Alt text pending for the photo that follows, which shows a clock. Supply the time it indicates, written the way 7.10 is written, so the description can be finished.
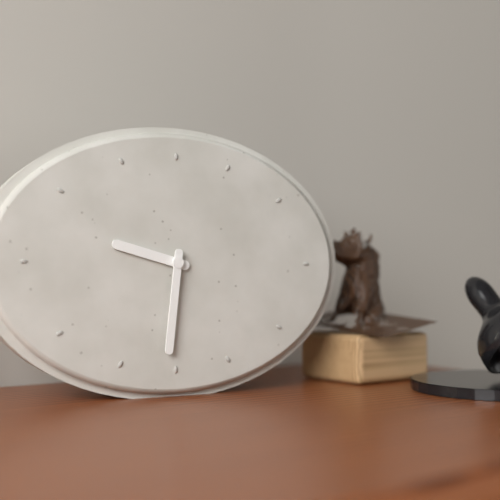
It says 9.31
